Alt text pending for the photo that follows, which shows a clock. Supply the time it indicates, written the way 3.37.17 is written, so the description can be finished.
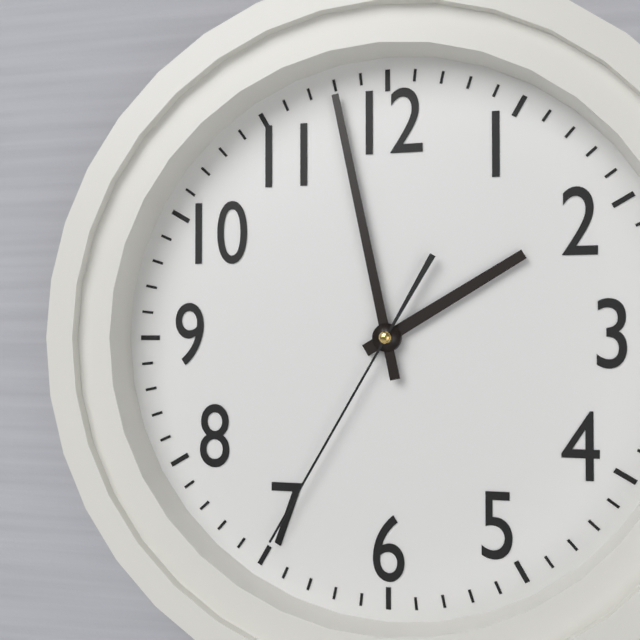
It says 1.58.35
